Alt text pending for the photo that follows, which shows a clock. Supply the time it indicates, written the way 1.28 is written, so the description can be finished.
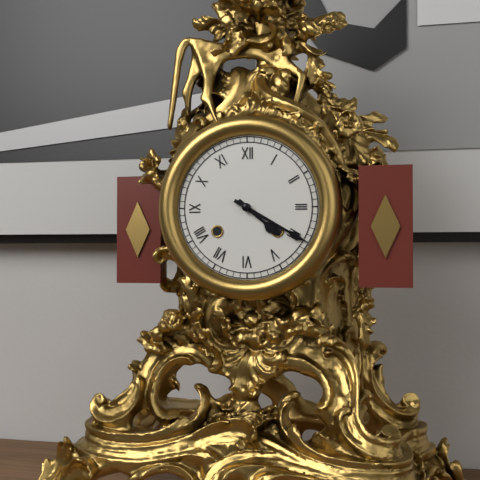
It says 4.20
